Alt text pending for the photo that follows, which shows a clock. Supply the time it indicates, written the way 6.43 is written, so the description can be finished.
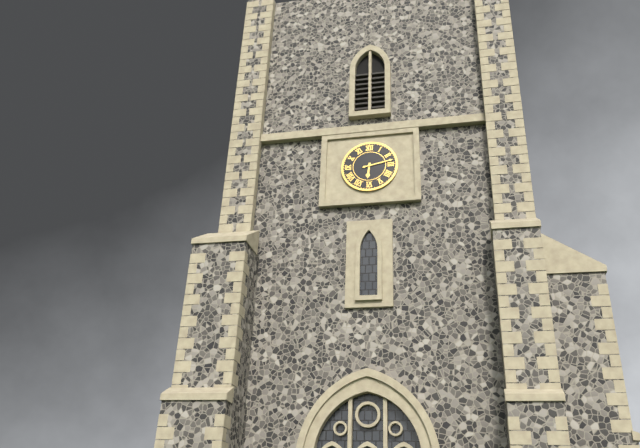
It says 6.13
